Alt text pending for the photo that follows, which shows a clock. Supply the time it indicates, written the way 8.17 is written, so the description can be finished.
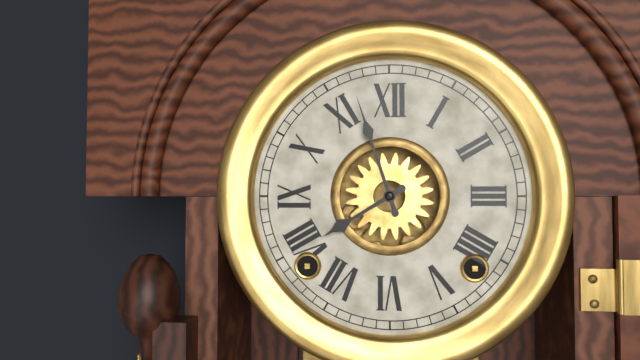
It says 7.57
